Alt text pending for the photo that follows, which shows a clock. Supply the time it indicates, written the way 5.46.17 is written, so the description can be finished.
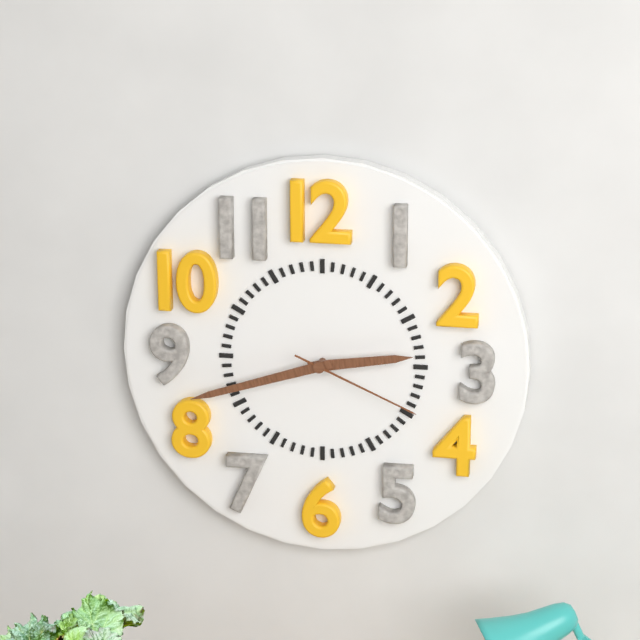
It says 2.42.19
